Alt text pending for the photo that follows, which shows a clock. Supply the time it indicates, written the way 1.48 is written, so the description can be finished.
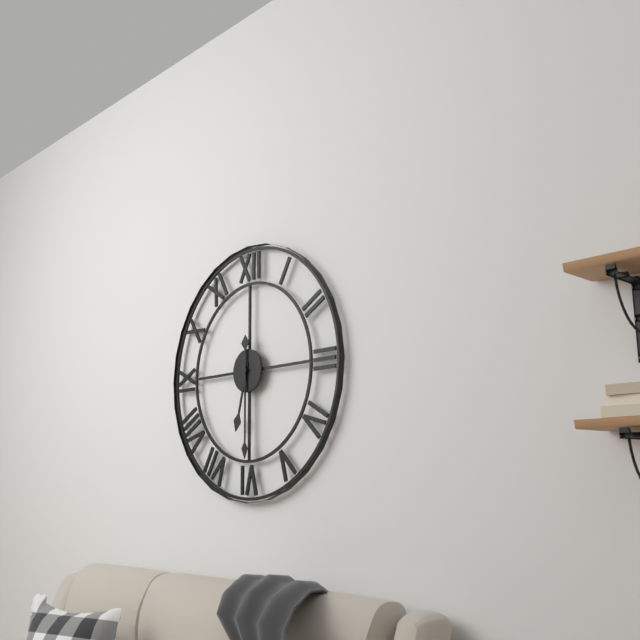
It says 6.30
